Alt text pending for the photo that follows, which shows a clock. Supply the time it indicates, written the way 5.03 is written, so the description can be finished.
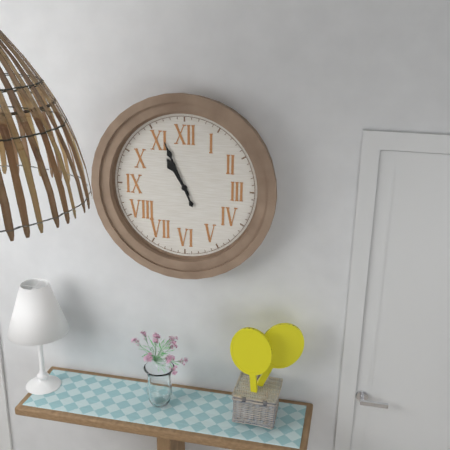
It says 10.56
